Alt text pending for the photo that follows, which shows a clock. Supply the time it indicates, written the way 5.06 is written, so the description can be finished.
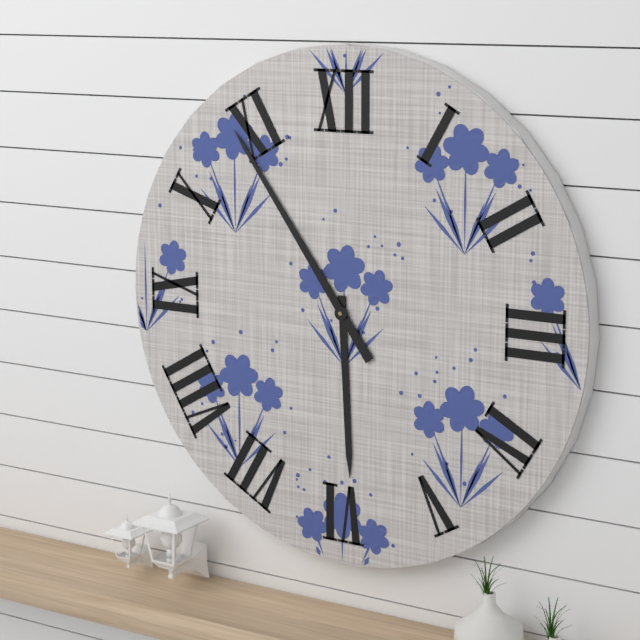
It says 5.54
